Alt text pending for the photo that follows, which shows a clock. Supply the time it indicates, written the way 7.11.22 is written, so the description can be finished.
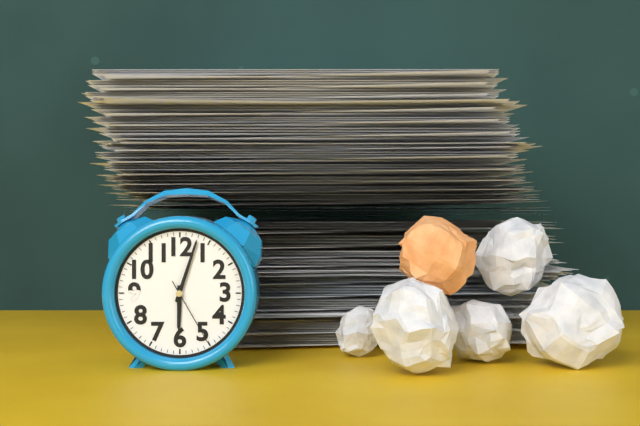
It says 6.03.25
